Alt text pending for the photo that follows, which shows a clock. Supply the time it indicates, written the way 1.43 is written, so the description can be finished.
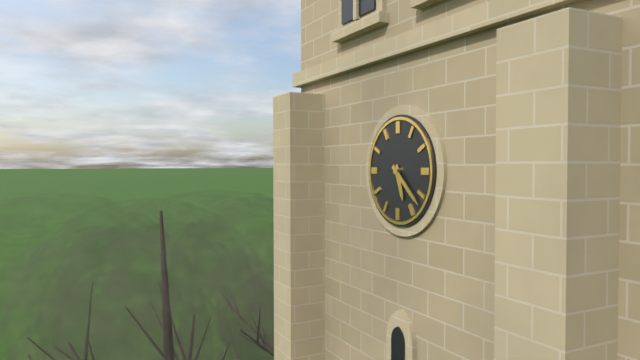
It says 5.22
